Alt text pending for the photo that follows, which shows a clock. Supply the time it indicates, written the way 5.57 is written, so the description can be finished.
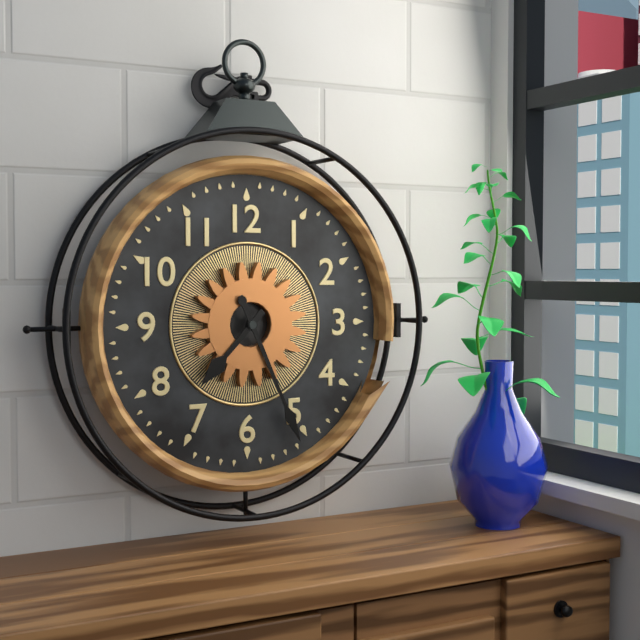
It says 7.26
